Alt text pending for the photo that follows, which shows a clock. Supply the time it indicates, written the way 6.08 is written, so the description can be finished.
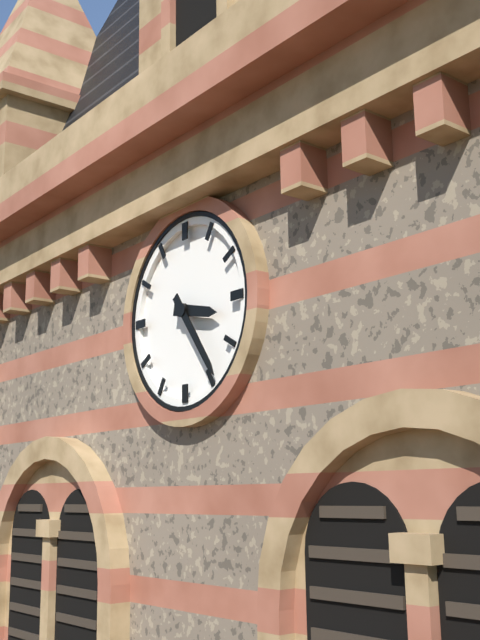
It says 3.24
